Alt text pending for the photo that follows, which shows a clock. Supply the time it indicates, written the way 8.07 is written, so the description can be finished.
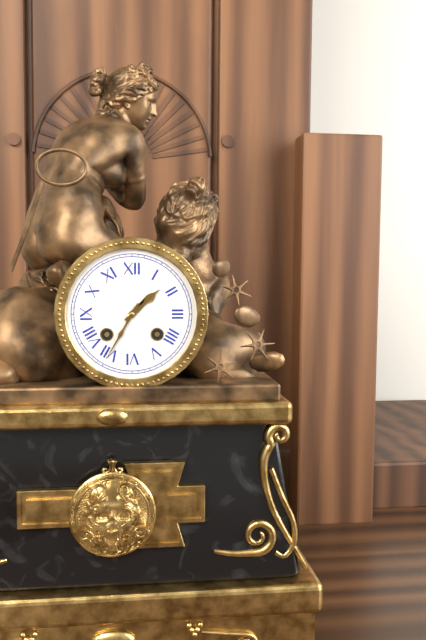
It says 1.35
